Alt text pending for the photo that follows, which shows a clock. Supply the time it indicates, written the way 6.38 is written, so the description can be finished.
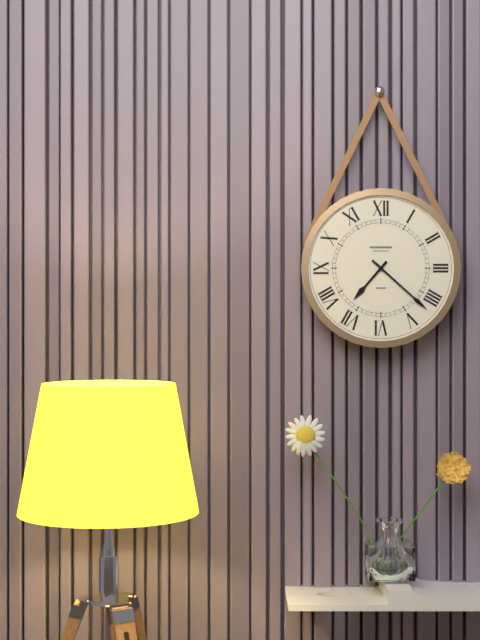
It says 7.22
